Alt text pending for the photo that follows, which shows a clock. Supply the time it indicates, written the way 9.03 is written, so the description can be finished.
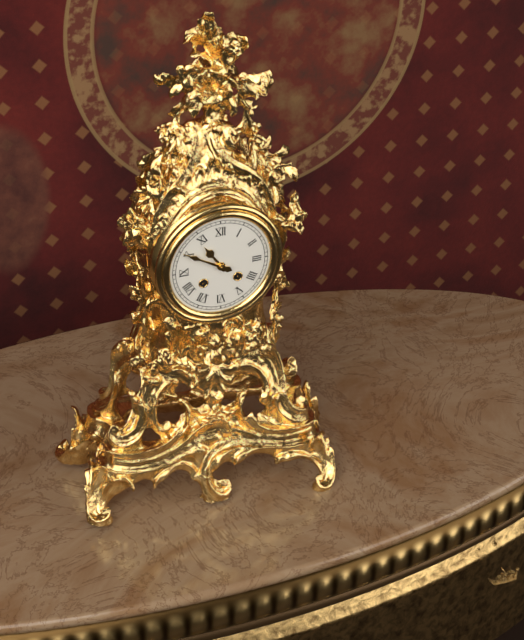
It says 10.50
